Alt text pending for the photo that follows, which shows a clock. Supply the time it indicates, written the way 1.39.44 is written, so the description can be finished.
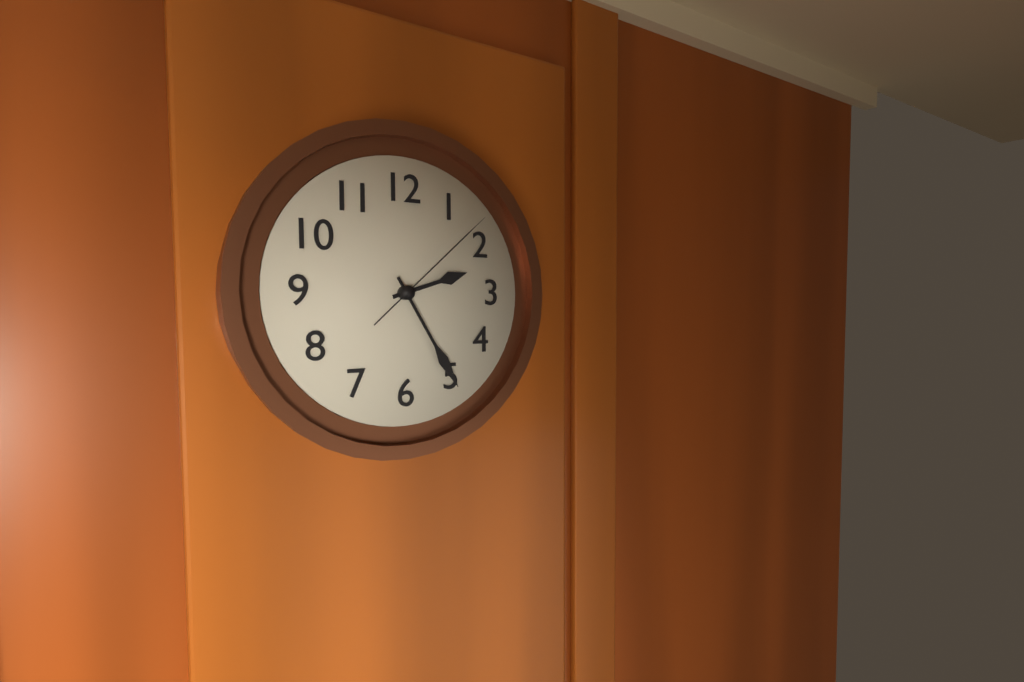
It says 2.25.08
